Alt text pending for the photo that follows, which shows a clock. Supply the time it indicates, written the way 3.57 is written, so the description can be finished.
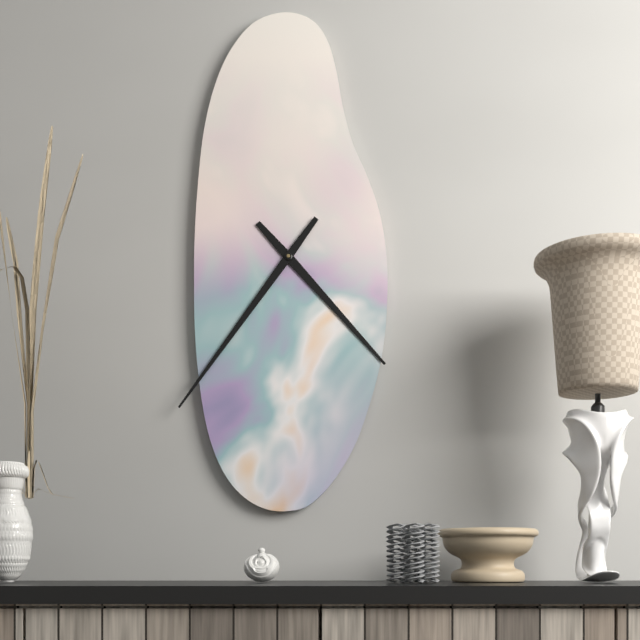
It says 4.36
